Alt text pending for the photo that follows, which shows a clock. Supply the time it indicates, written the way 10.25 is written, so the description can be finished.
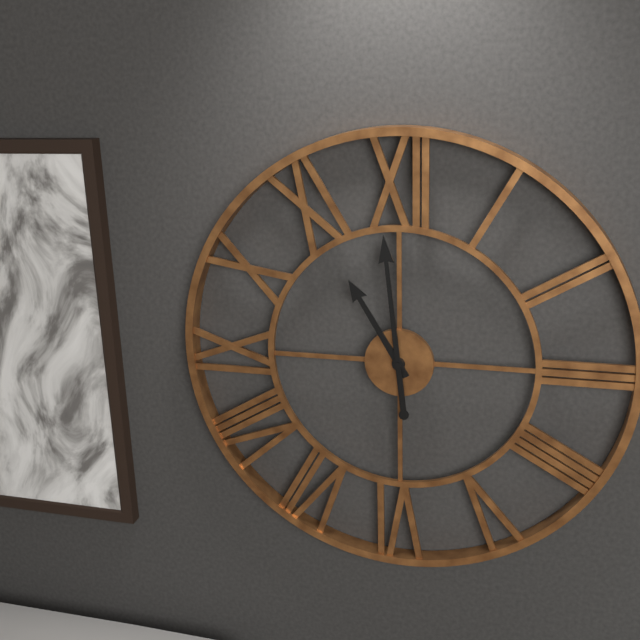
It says 10.59
